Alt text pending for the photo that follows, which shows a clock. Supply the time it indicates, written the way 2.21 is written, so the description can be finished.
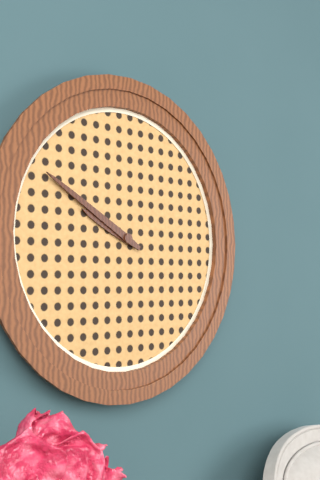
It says 9.50
